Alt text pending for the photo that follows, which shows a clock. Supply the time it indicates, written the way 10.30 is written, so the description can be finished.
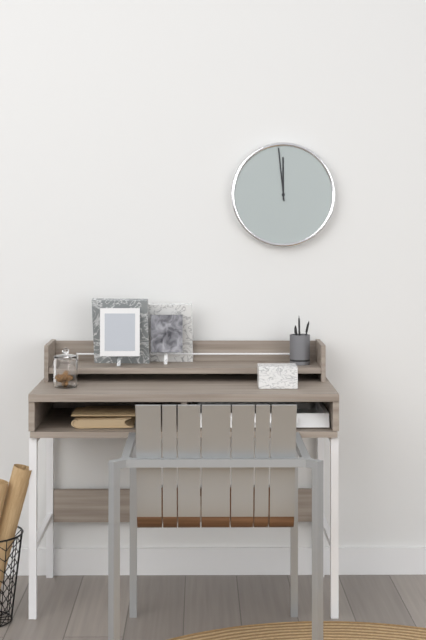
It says 11.59
